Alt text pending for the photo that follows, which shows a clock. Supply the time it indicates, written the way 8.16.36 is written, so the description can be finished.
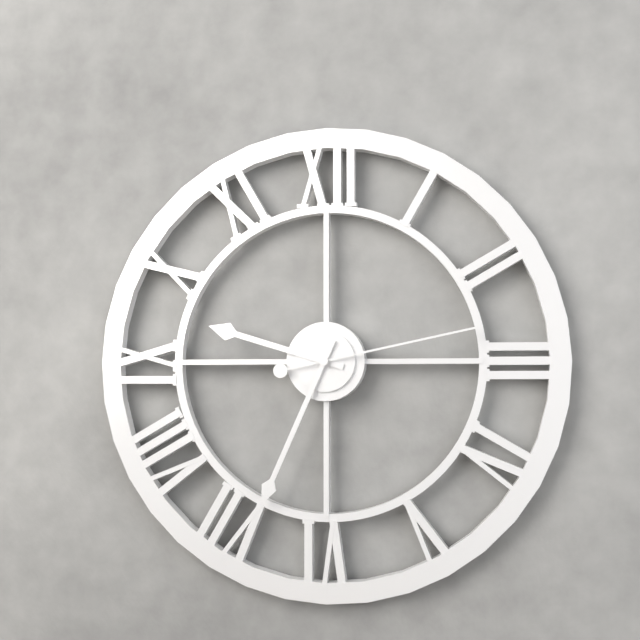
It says 9.34.13
